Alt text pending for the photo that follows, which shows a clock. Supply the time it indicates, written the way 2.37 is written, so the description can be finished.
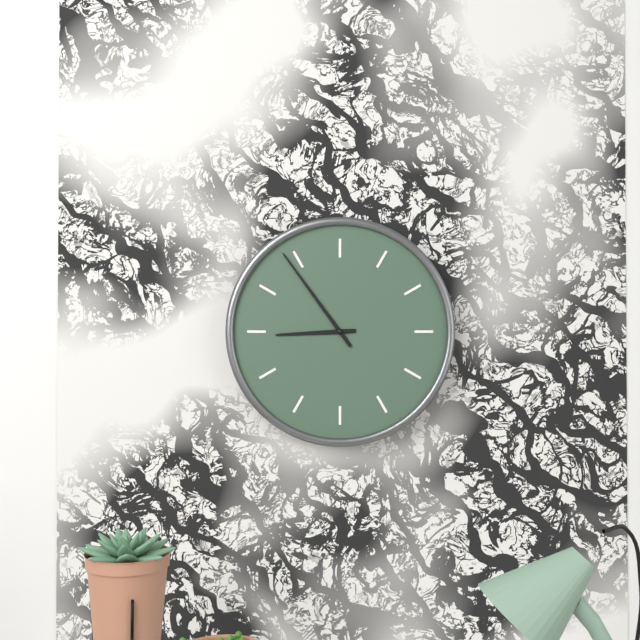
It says 8.54
